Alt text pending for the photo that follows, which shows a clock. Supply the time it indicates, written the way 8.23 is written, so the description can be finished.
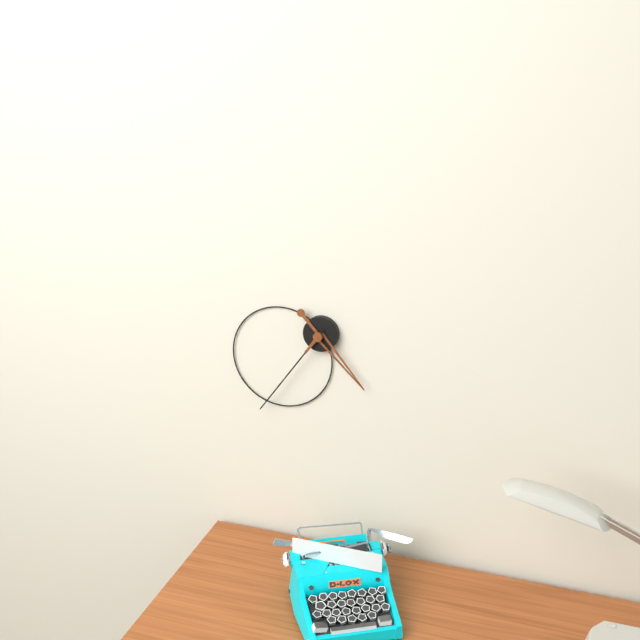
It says 4.36
